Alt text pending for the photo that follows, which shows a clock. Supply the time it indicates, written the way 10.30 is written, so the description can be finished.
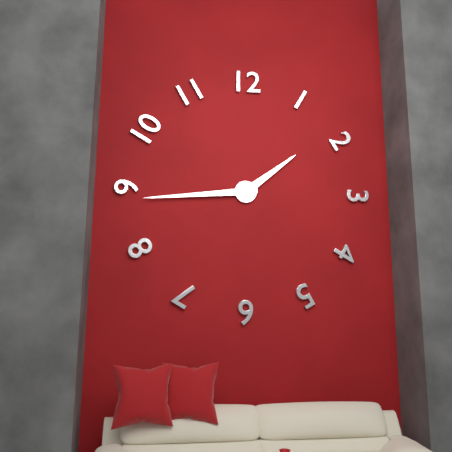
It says 1.44
